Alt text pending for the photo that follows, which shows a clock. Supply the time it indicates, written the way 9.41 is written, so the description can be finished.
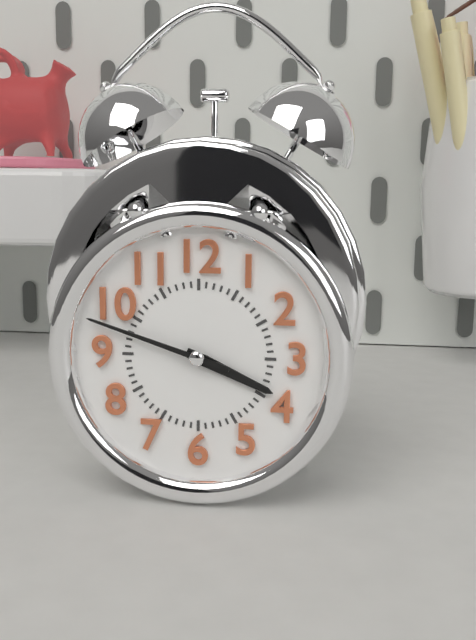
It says 3.48
